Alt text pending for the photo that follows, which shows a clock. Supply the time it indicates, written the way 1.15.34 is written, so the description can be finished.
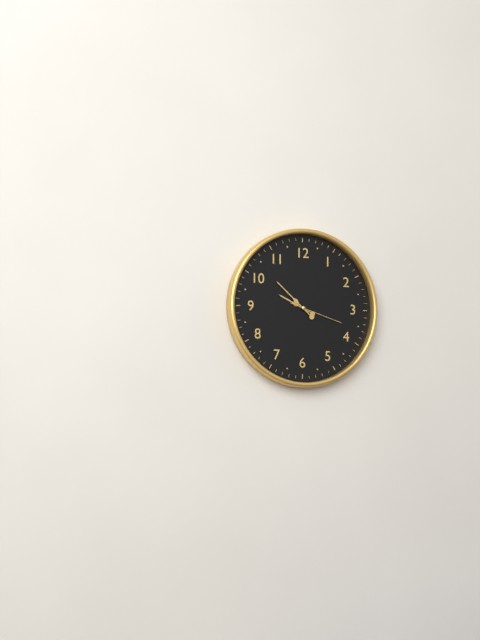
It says 9.52.18
